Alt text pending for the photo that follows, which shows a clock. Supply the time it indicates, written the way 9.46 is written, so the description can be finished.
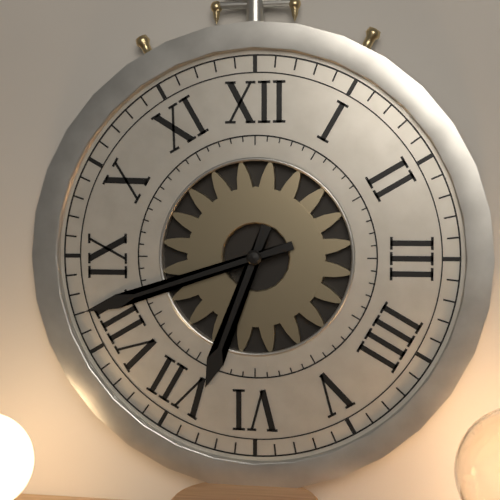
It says 6.42
